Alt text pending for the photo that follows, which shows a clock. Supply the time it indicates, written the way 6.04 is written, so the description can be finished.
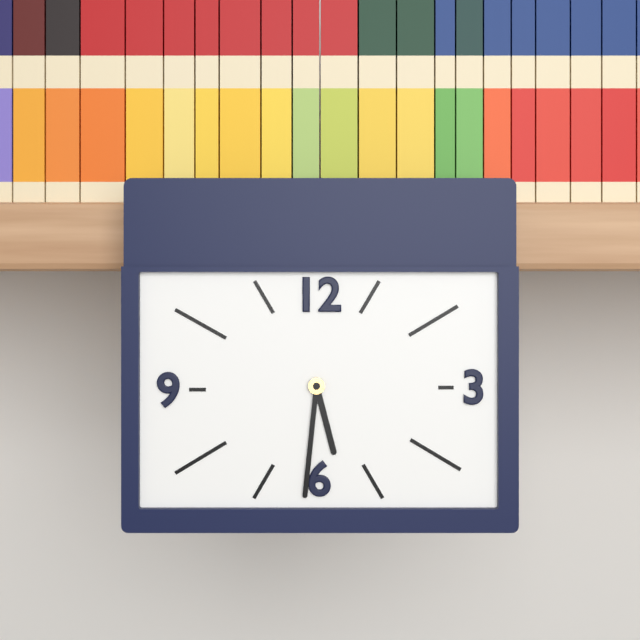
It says 5.31
